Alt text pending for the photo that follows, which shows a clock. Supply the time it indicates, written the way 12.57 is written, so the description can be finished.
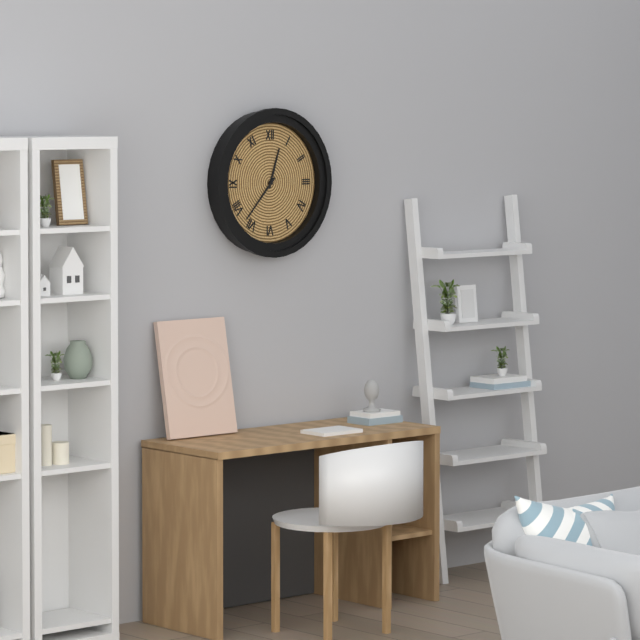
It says 12.37
